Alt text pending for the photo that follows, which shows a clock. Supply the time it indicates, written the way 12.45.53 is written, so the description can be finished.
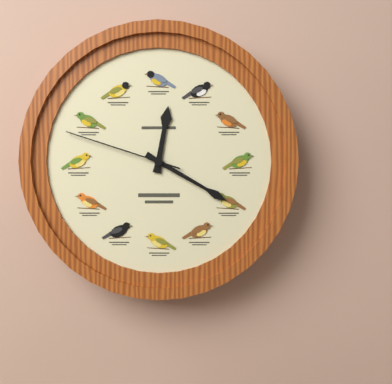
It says 12.20.48
